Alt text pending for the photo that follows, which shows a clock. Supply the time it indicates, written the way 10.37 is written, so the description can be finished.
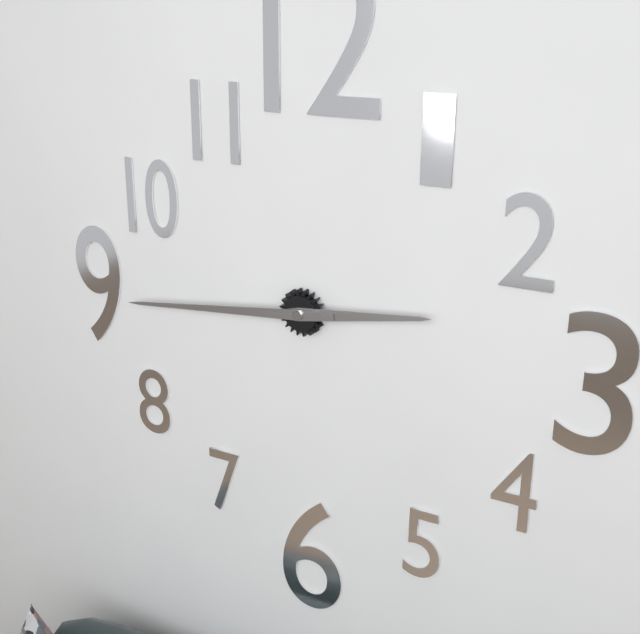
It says 2.44
